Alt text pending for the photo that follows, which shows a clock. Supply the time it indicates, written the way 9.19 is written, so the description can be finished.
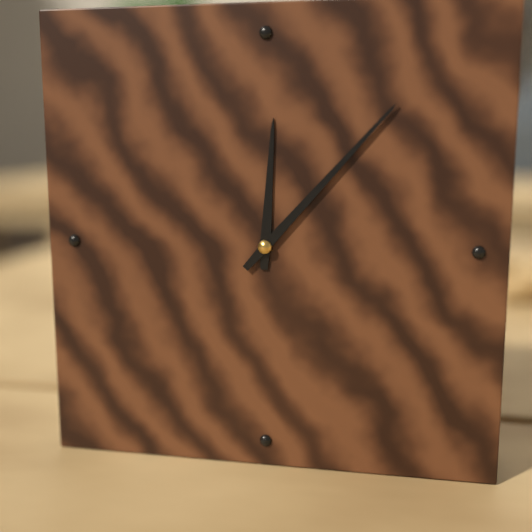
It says 12.07
